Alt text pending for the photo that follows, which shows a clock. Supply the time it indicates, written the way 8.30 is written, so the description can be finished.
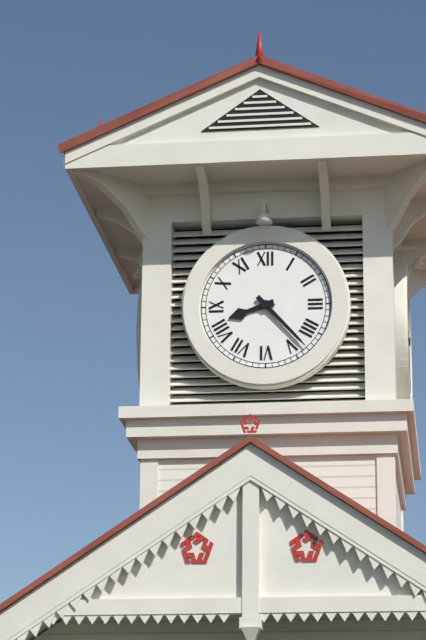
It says 8.23
